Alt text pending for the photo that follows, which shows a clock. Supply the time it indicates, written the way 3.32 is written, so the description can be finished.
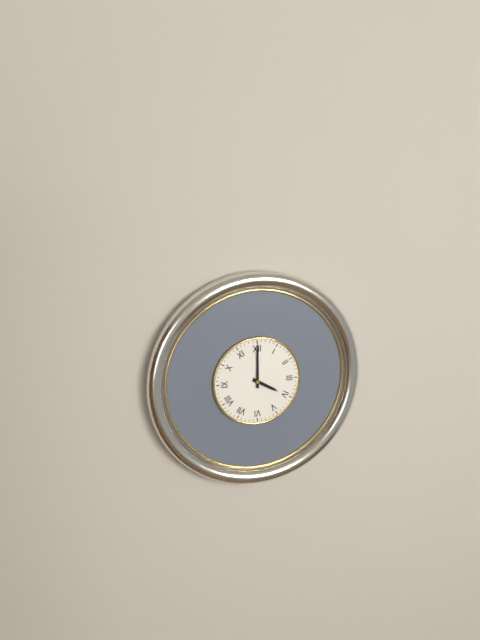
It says 4.00
